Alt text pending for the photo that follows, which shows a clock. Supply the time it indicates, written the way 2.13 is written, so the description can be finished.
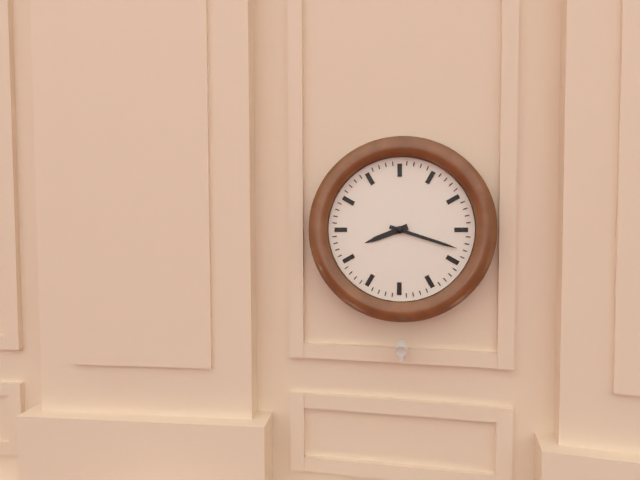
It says 8.18
